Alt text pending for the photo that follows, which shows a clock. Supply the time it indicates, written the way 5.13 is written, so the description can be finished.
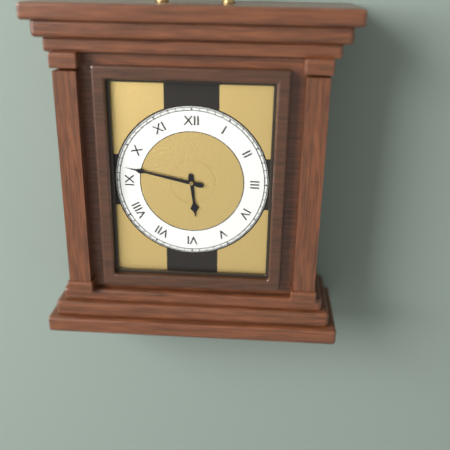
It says 5.47
